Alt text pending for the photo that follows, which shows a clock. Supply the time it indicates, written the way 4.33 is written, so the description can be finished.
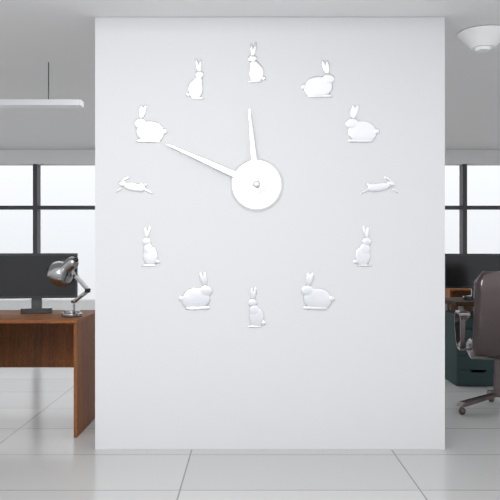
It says 11.49
